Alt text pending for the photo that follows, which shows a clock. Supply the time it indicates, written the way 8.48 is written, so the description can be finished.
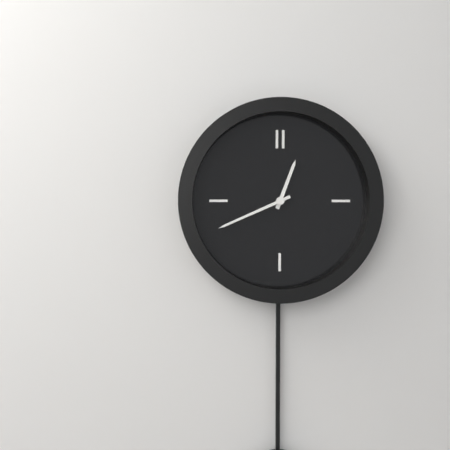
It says 12.41
